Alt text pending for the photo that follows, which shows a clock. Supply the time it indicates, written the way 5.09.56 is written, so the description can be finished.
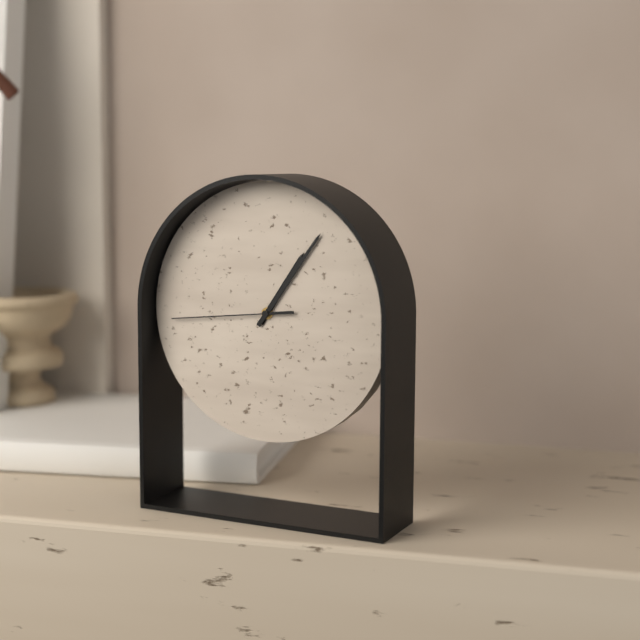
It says 1.06.44
